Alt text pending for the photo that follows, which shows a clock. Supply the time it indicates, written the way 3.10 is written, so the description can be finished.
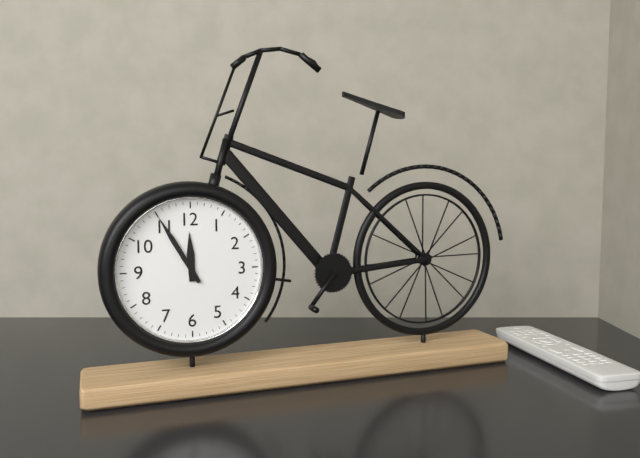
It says 11.55
